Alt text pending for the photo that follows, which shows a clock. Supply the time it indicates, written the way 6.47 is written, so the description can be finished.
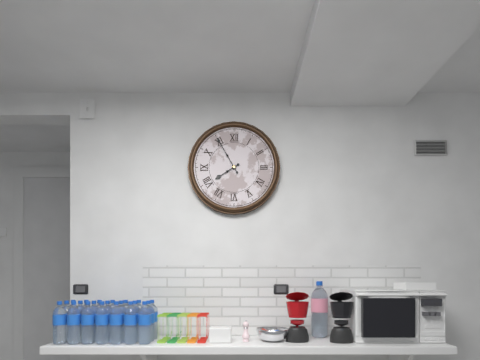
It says 7.55
